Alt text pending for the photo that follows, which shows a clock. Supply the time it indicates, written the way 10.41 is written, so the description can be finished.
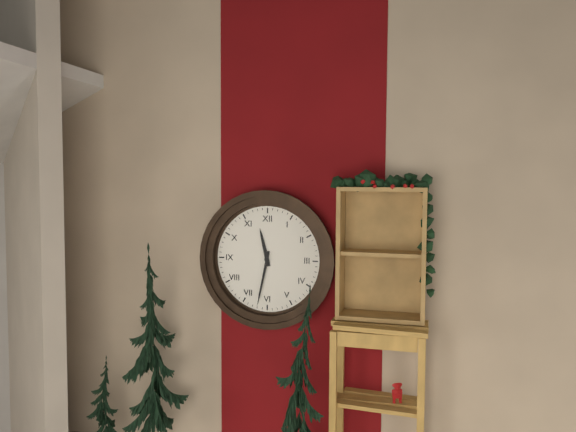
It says 11.32
